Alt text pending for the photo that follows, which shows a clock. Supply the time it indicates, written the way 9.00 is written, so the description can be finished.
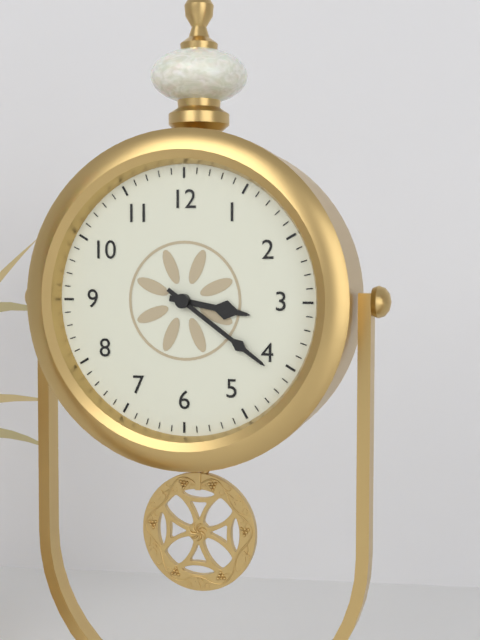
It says 3.21
